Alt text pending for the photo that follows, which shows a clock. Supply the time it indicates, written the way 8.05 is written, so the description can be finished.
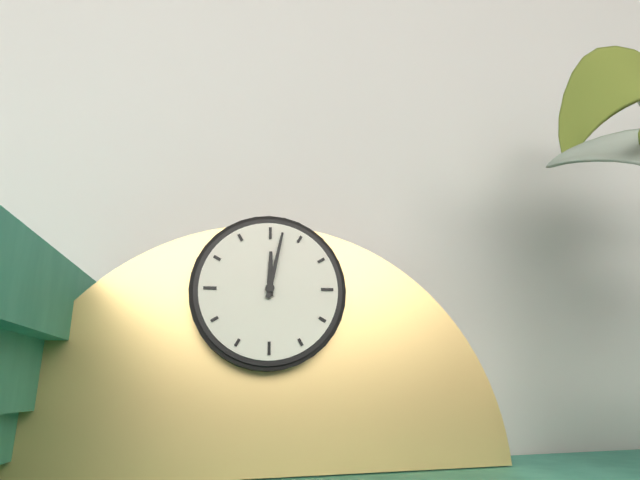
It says 12.02
